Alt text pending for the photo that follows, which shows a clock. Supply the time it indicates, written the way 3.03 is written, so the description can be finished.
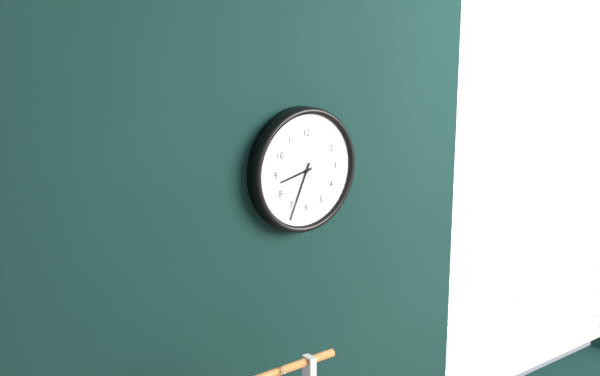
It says 8.34
